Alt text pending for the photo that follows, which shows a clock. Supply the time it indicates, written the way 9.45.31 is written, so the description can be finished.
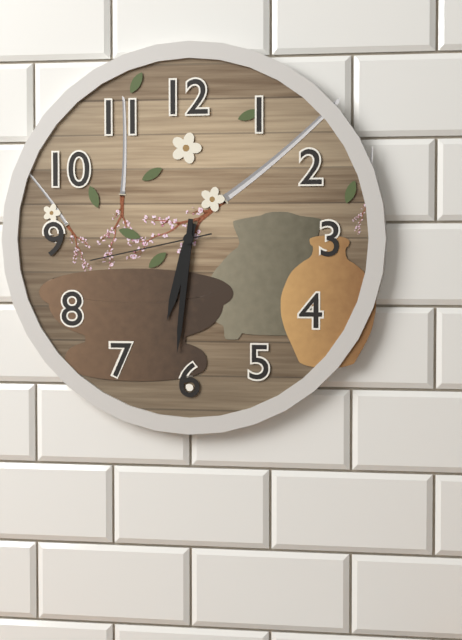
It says 6.31.43
